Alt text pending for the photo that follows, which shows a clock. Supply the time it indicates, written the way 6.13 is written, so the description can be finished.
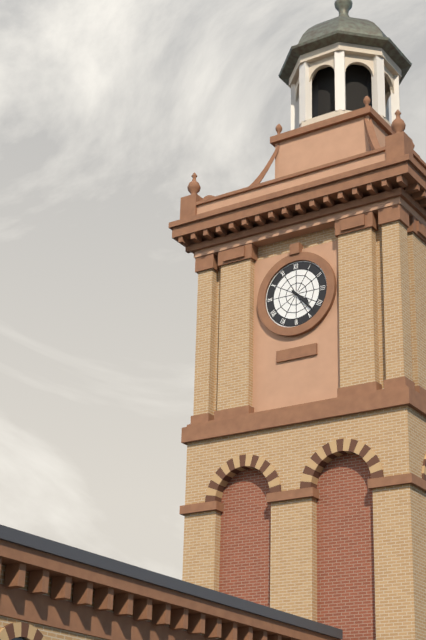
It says 4.23
